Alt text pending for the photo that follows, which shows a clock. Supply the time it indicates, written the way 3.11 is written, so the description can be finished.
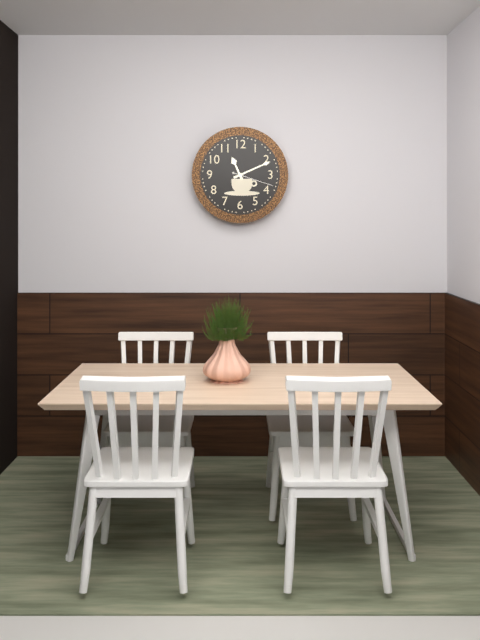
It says 11.11
